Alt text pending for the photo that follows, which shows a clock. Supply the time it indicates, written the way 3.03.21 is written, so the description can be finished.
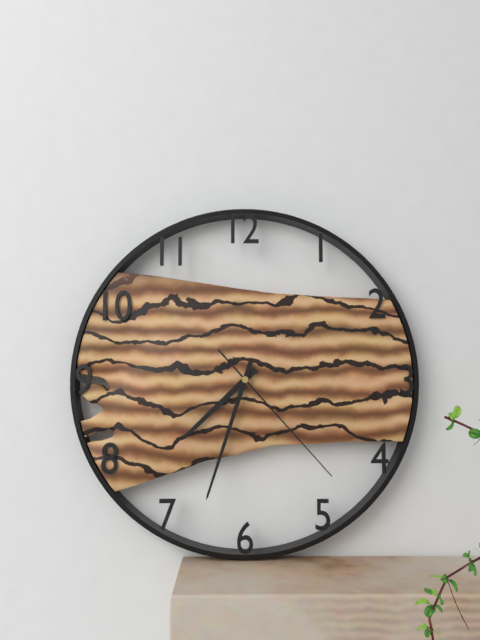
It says 7.33.23
